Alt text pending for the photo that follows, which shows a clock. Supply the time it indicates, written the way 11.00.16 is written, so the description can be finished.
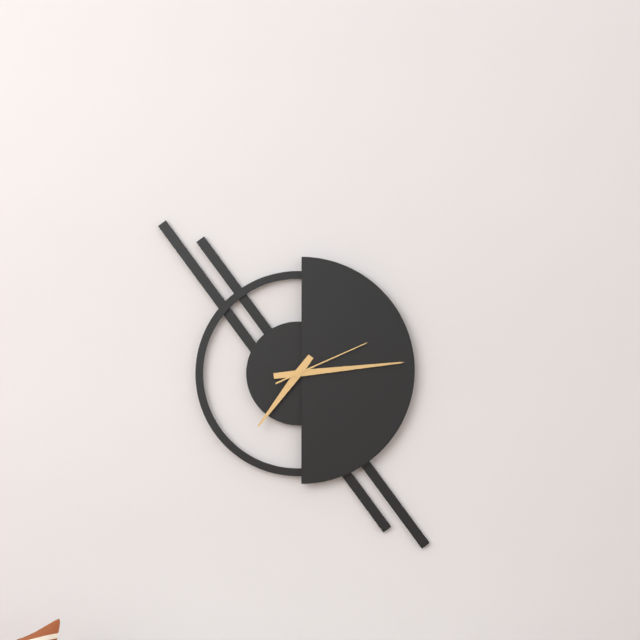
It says 7.14.11
